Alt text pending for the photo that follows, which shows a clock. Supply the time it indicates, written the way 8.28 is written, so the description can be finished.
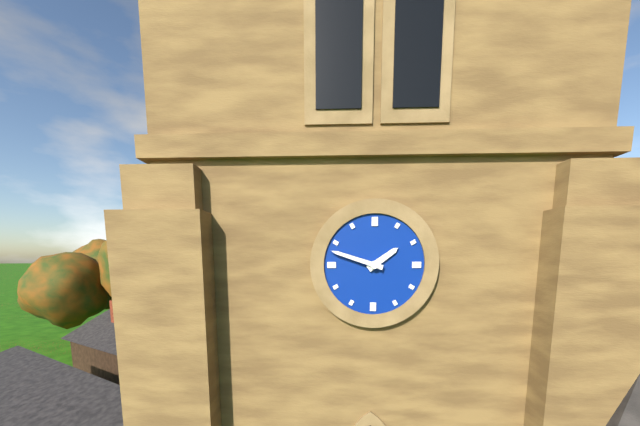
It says 1.48
